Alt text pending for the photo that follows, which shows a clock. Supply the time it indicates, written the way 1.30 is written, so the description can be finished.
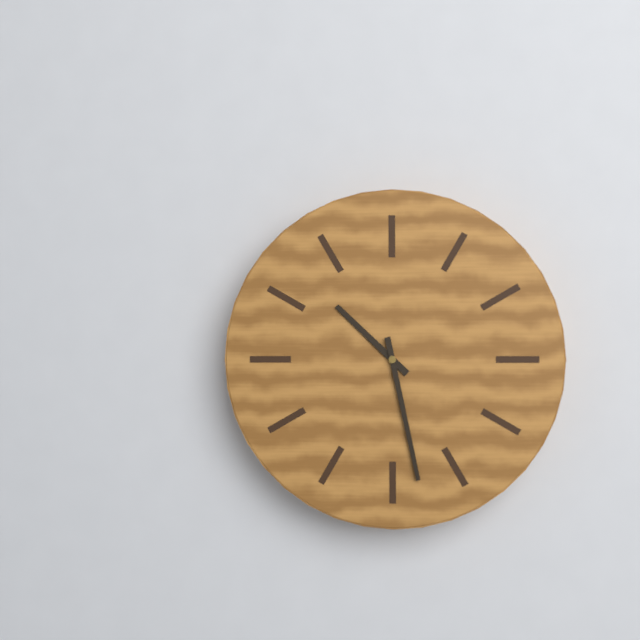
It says 10.28
